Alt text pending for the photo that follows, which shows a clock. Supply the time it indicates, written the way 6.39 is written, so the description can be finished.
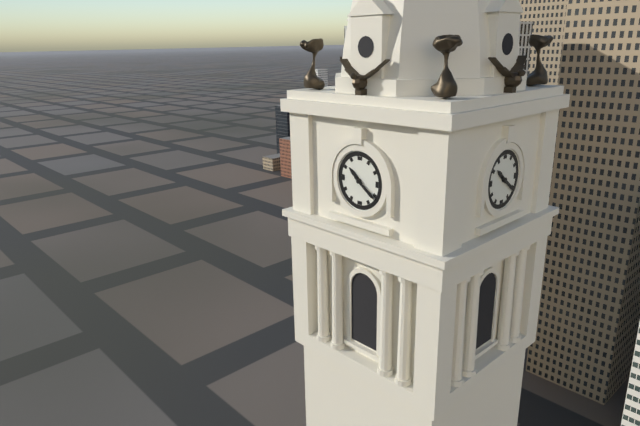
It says 10.21
